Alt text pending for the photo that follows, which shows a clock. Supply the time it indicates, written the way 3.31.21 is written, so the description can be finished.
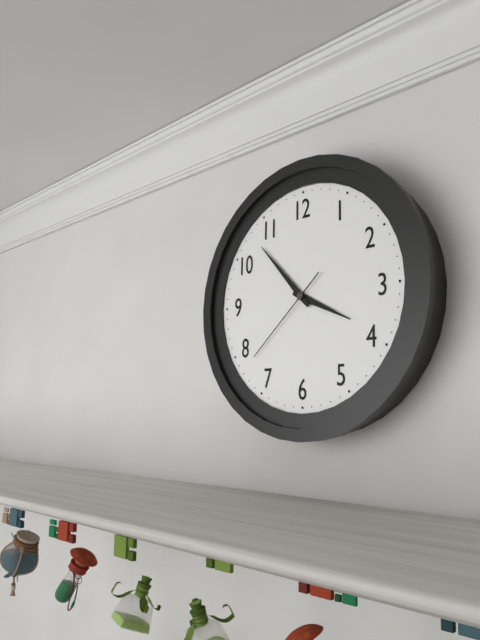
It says 3.53.38
